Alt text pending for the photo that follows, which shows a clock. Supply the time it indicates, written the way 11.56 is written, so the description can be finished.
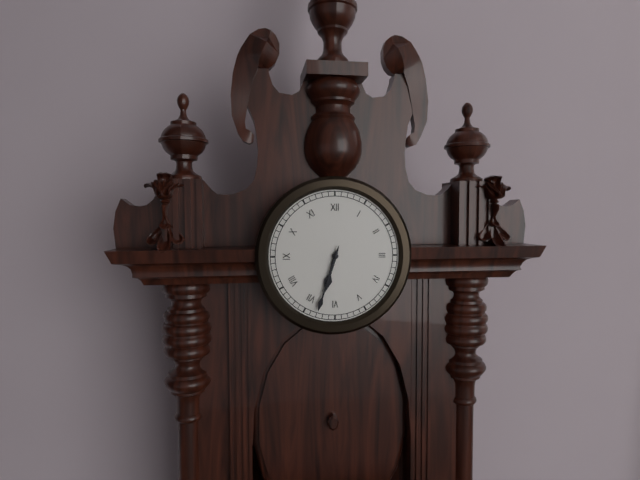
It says 6.33
